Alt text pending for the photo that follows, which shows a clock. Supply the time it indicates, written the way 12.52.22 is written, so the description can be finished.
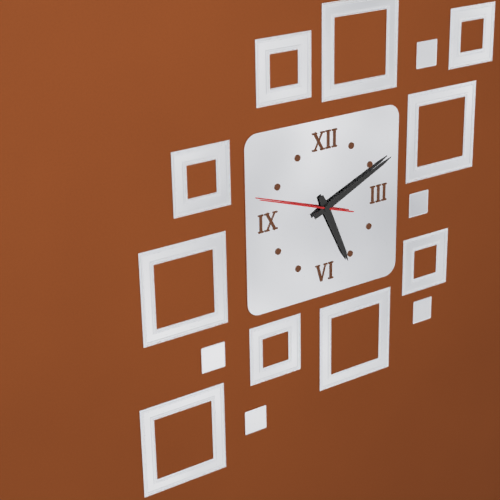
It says 5.11.48
